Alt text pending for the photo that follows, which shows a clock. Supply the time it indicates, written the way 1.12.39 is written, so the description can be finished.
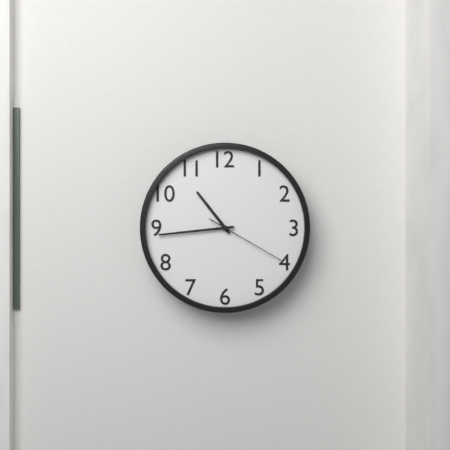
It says 10.44.20
